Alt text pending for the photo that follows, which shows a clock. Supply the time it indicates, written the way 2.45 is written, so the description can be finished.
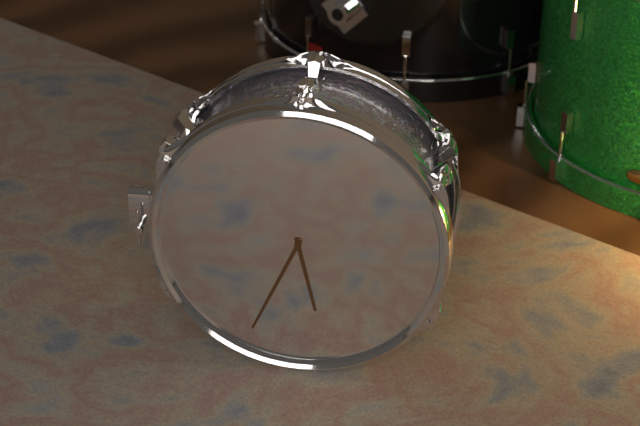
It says 5.34
